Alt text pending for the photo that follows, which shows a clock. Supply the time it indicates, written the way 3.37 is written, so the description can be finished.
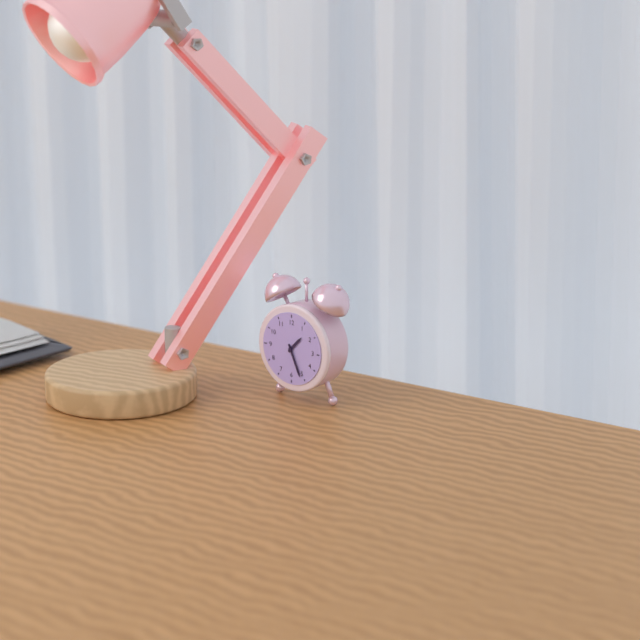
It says 1.26
